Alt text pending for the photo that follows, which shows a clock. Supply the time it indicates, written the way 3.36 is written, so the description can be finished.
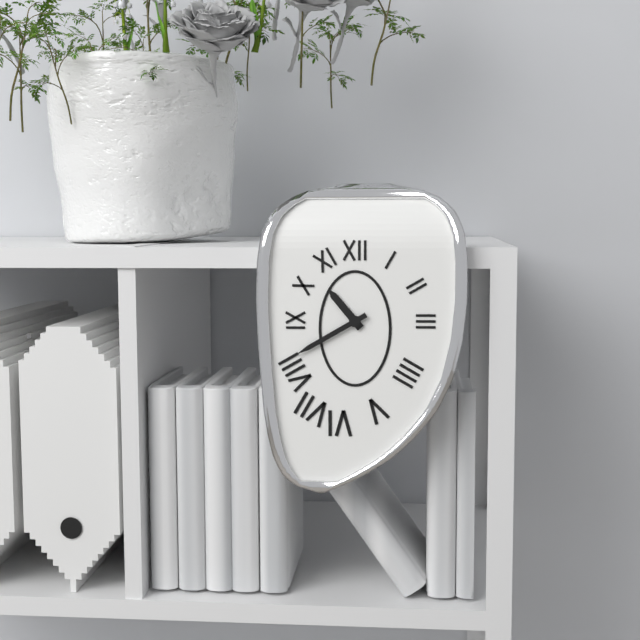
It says 10.40
